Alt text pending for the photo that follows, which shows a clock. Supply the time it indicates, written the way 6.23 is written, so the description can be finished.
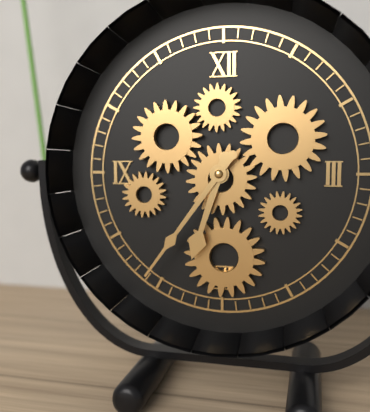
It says 6.36
